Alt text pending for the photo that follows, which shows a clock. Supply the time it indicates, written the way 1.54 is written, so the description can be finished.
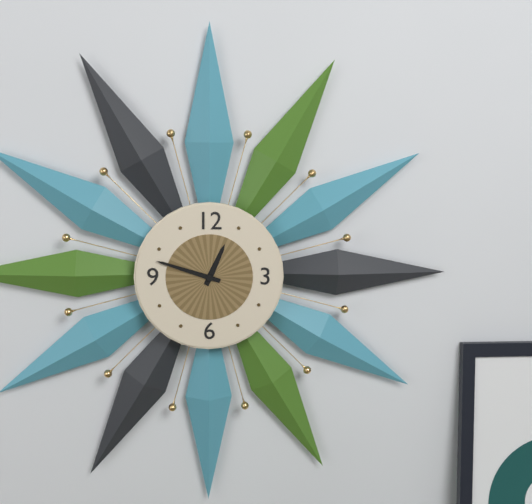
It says 12.48
